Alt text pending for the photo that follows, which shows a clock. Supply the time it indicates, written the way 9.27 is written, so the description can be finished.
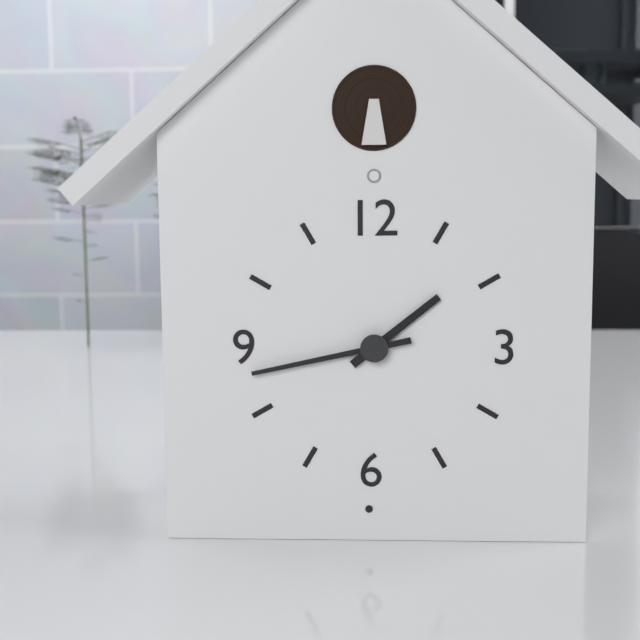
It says 1.43
